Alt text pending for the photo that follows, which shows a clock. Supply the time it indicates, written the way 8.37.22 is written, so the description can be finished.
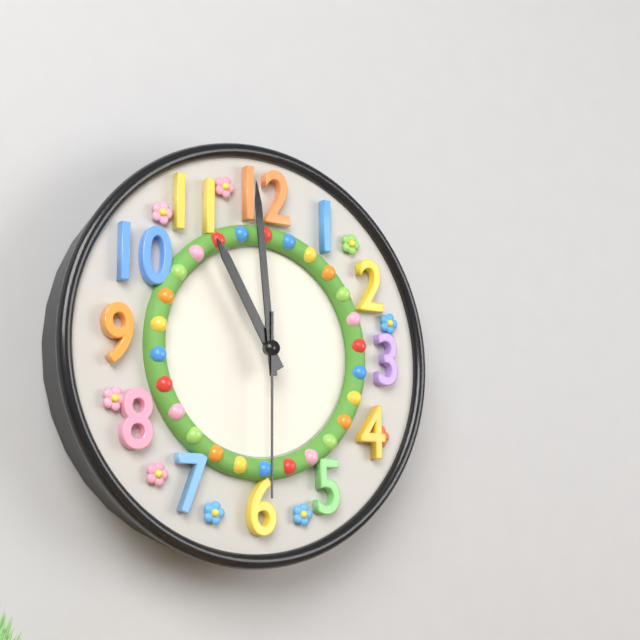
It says 10.59.30
